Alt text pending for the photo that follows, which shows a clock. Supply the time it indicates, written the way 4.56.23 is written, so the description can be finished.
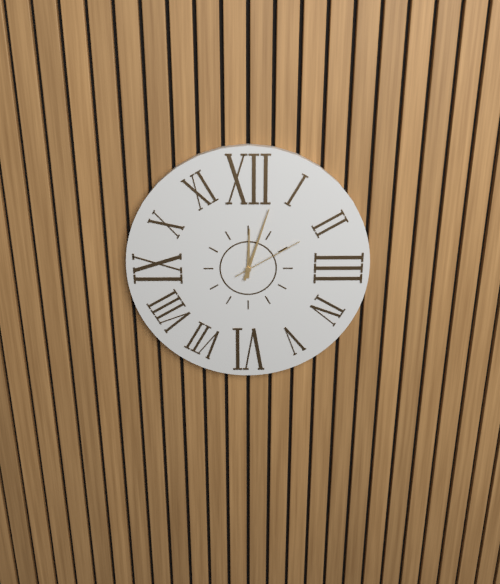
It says 12.03.10
